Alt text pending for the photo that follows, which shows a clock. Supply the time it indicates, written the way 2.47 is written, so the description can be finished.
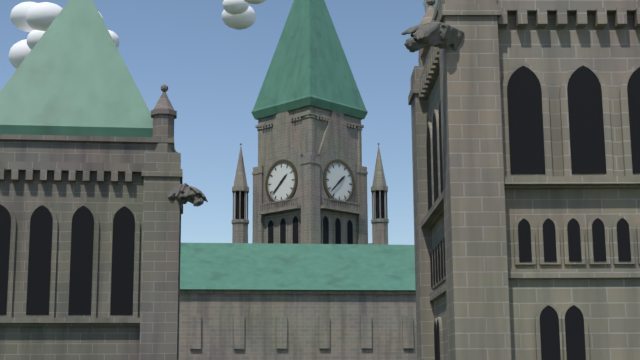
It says 1.38
